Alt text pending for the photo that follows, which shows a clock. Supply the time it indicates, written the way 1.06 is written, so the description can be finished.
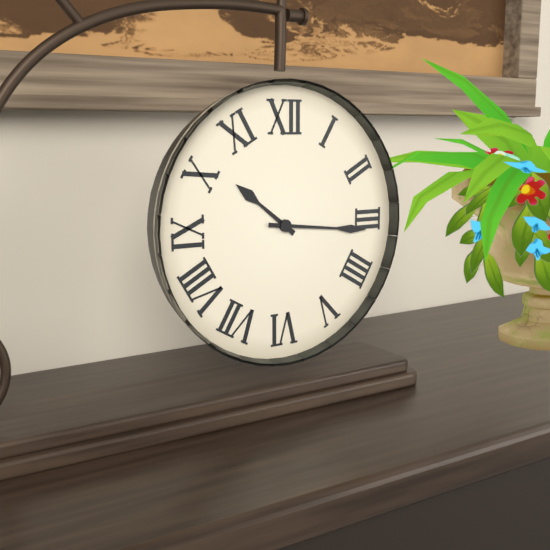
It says 10.16
